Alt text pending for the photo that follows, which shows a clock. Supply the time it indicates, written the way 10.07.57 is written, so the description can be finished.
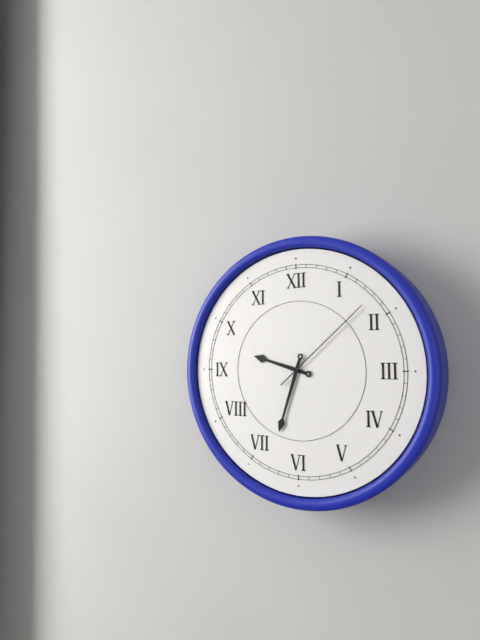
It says 9.33.08
